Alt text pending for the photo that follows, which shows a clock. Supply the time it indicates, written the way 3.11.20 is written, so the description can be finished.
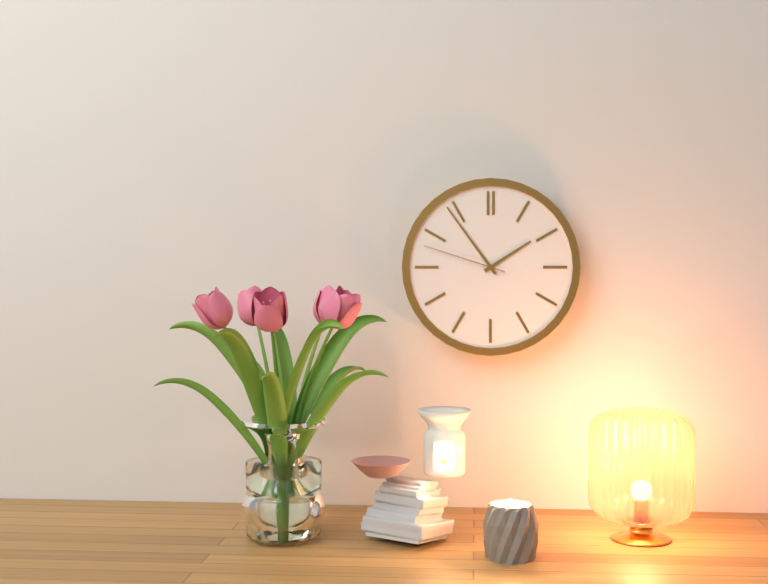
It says 1.54.48
